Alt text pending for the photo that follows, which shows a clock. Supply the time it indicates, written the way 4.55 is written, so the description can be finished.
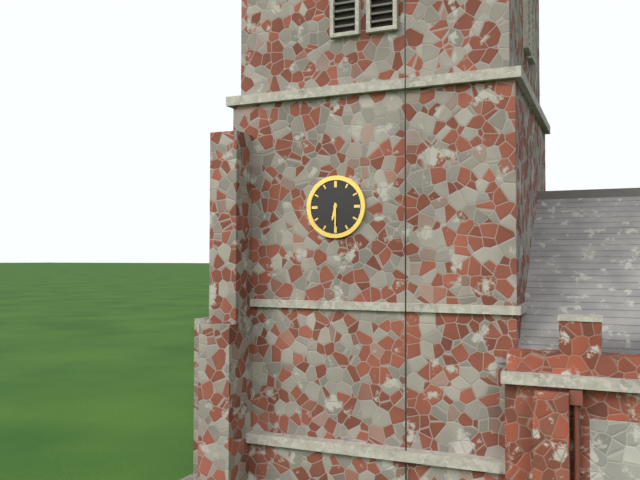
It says 6.30
